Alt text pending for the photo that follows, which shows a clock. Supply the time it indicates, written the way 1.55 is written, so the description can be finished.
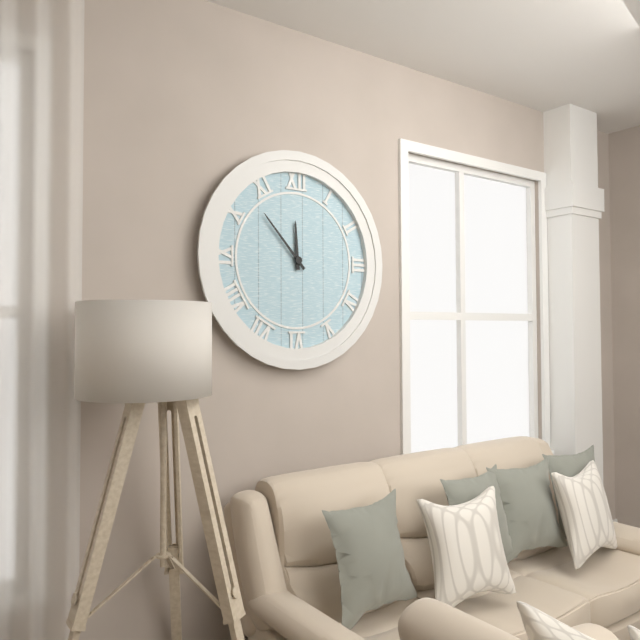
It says 11.53
